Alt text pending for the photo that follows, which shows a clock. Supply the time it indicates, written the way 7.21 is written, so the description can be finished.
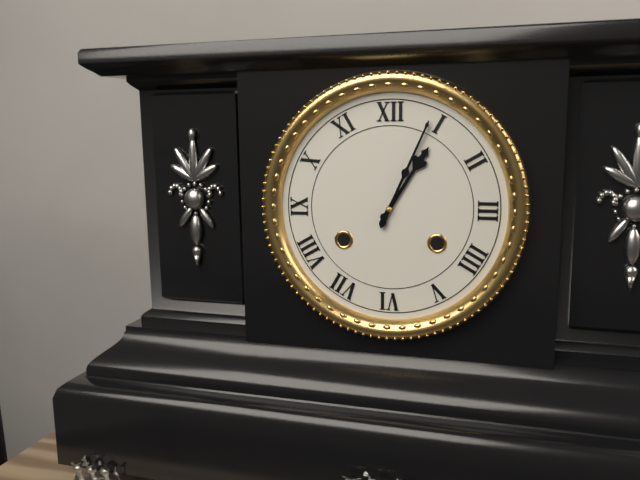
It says 1.04
